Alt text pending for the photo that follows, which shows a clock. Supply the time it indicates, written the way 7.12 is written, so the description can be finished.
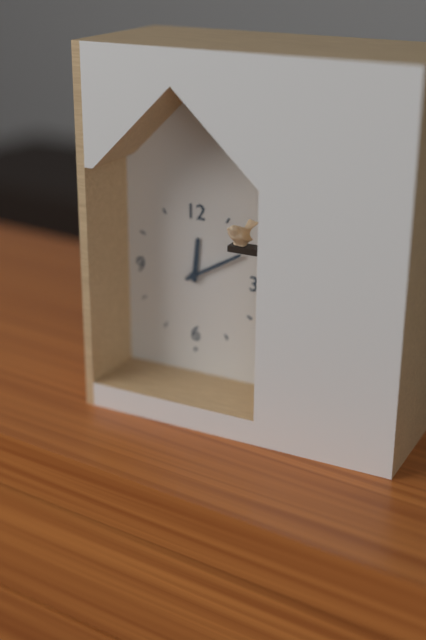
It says 12.10
